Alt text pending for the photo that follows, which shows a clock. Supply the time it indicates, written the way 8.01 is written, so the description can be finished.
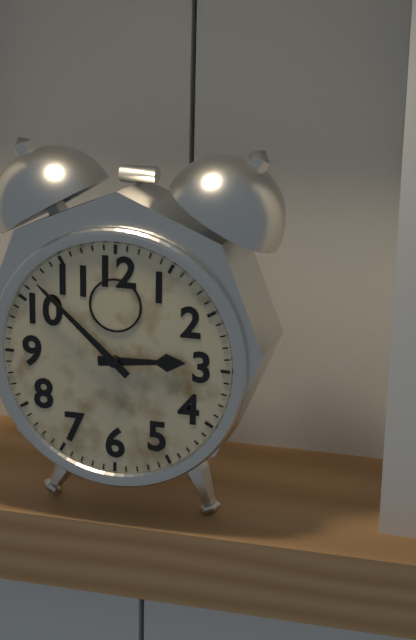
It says 2.52
